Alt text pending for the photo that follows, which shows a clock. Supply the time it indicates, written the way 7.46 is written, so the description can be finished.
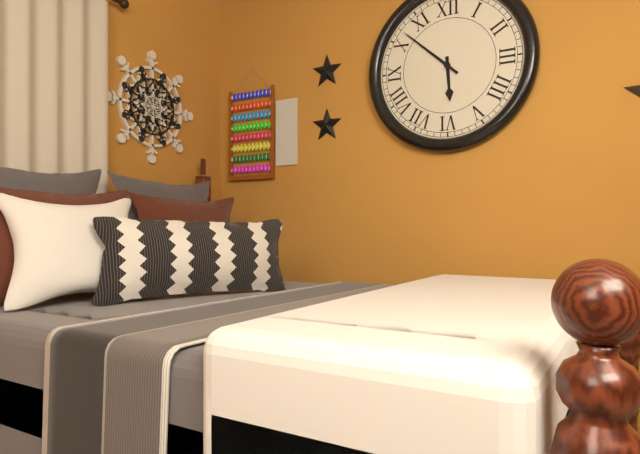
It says 5.52
